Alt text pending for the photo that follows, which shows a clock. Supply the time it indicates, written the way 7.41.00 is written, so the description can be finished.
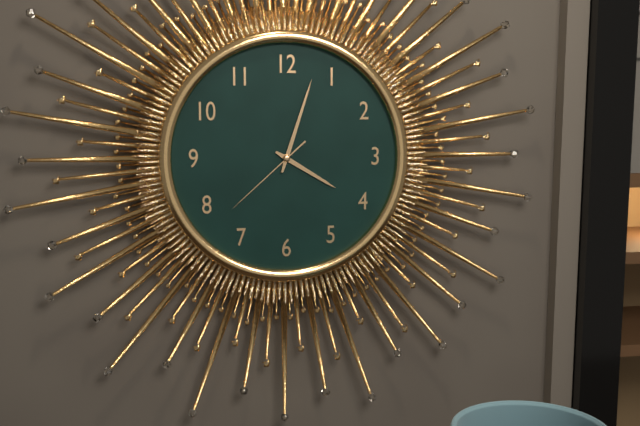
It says 4.03.38
